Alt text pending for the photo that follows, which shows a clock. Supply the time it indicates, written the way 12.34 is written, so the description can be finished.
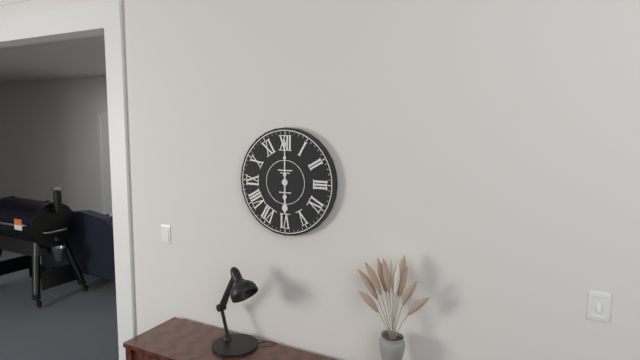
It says 6.00
